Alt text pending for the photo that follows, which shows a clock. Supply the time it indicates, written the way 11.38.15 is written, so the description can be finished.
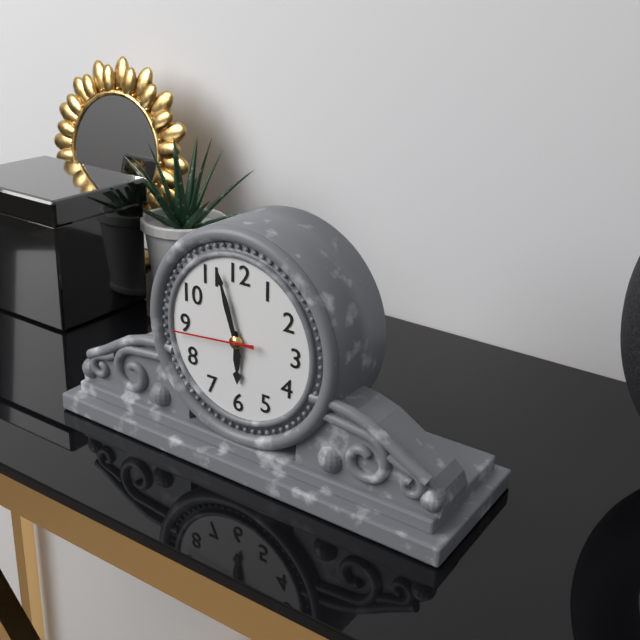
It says 5.57.44
